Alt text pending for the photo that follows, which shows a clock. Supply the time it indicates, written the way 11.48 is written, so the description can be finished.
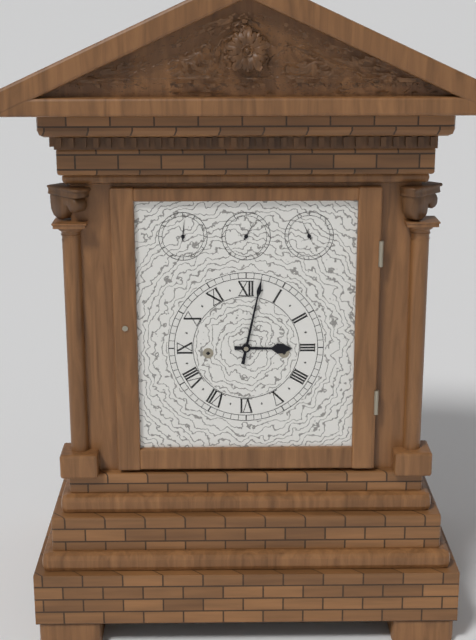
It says 3.02
